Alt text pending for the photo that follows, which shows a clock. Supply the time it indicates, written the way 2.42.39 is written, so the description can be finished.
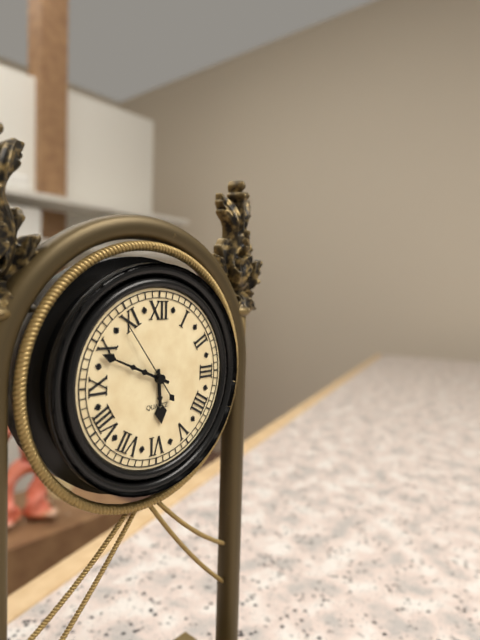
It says 5.49.54
